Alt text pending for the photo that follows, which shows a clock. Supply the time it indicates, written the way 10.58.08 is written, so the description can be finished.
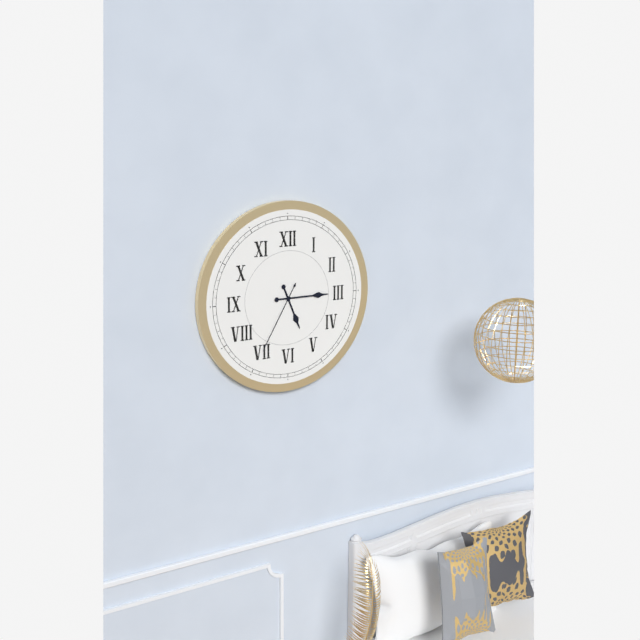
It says 5.15.35
